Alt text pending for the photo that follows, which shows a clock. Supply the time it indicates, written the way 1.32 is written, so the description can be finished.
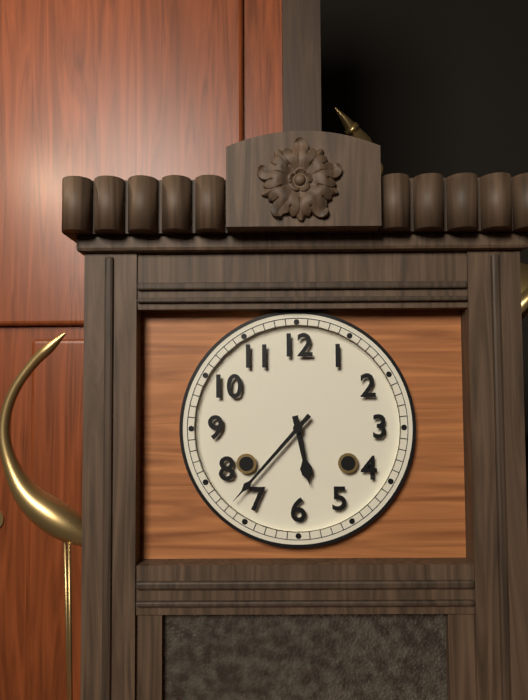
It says 5.37
